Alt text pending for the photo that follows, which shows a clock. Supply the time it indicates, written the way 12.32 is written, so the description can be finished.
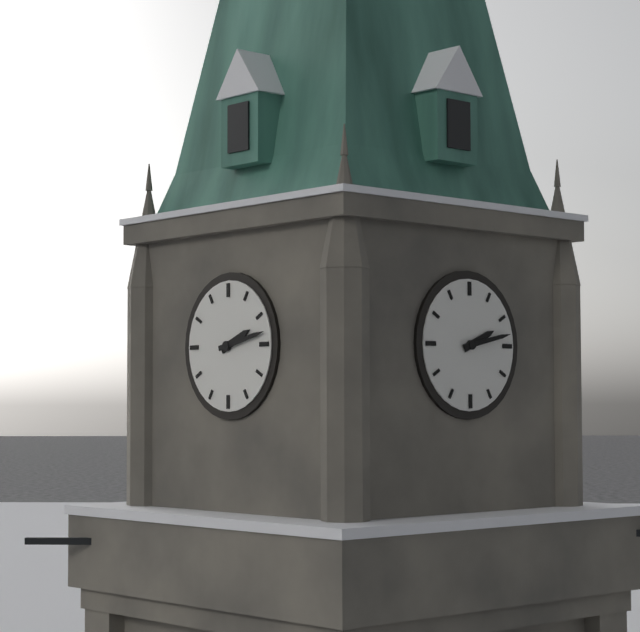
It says 2.13
